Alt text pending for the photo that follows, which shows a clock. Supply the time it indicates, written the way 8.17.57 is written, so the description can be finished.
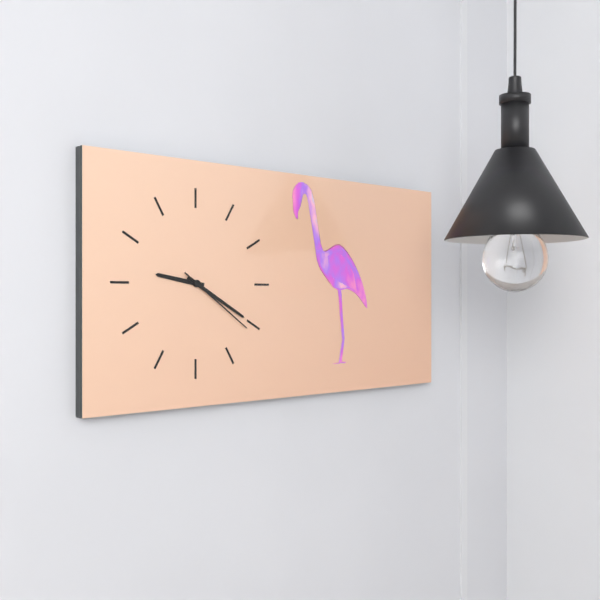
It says 9.20.21
